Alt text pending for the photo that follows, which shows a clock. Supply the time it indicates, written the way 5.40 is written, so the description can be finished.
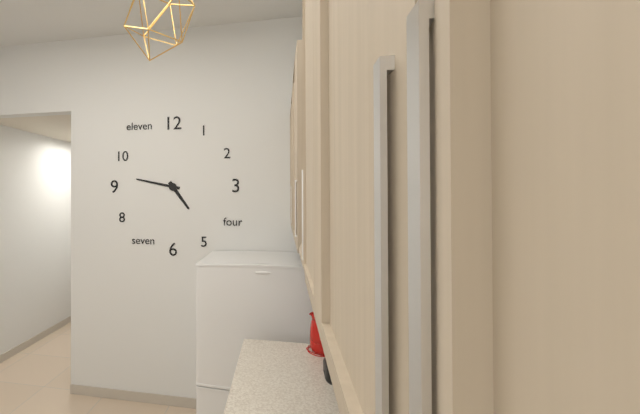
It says 4.47
